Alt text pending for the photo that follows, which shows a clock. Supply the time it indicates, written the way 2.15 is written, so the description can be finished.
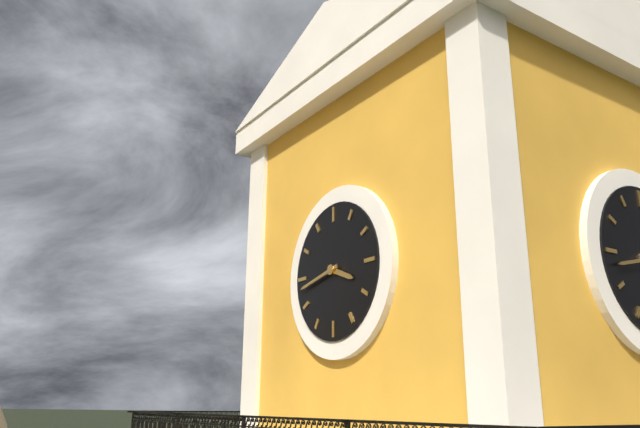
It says 3.43
